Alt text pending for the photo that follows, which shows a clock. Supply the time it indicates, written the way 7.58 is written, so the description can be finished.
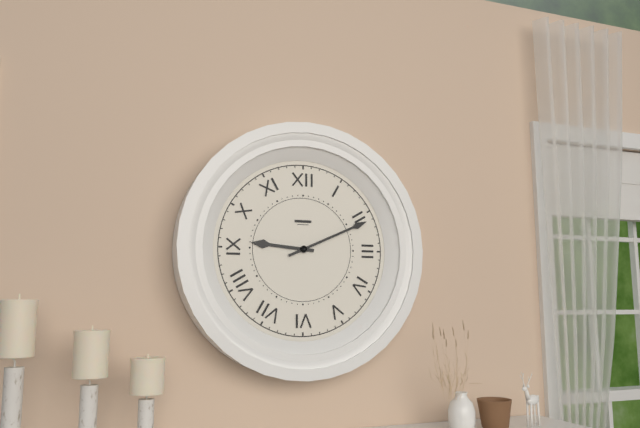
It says 9.11
